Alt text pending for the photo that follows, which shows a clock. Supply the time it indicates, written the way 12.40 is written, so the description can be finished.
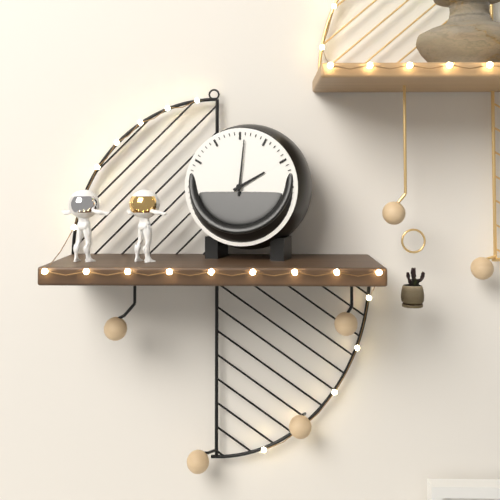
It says 2.01
